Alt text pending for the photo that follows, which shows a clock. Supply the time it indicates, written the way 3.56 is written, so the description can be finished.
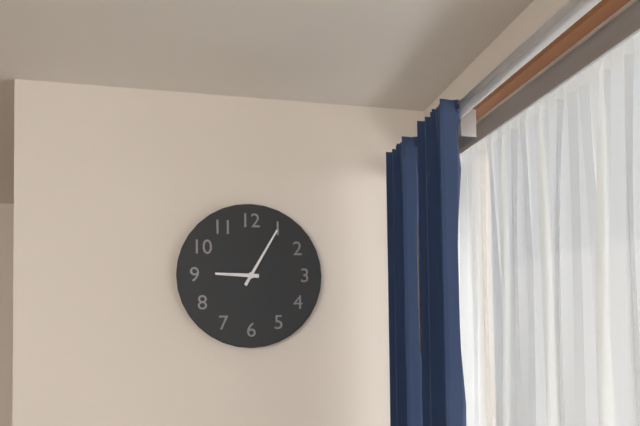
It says 9.05
